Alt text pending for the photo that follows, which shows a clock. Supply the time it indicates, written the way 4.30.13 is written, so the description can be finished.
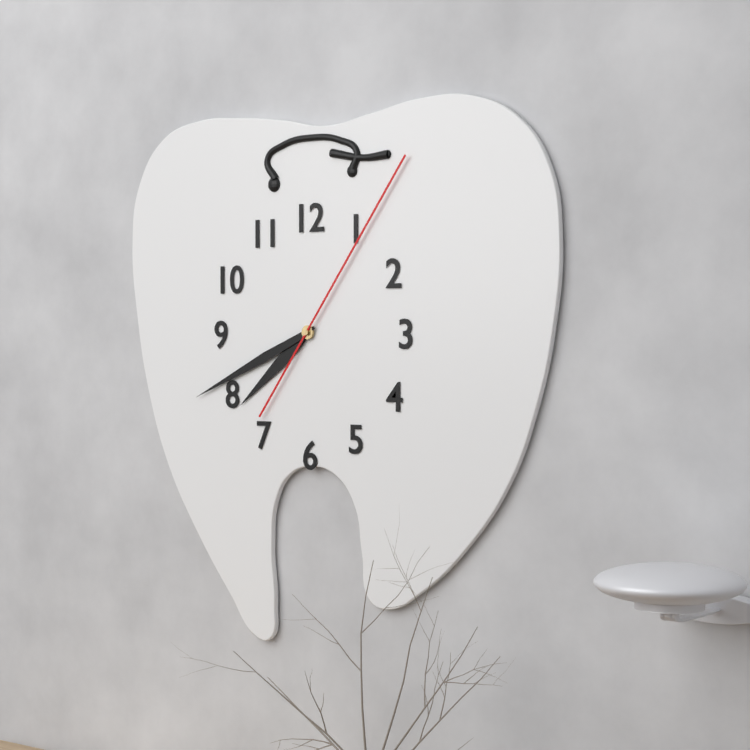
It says 7.41.06
